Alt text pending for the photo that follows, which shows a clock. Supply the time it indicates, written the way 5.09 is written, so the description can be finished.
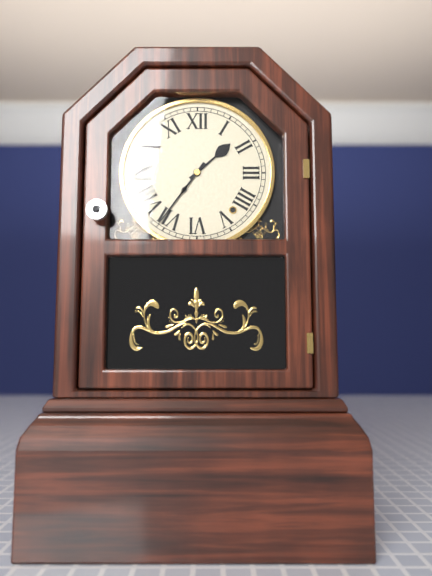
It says 1.36
